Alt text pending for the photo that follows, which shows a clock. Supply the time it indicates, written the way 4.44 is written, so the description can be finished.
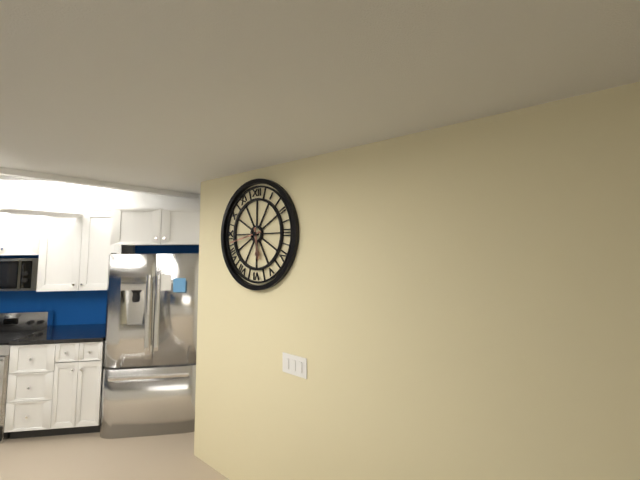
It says 5.43
